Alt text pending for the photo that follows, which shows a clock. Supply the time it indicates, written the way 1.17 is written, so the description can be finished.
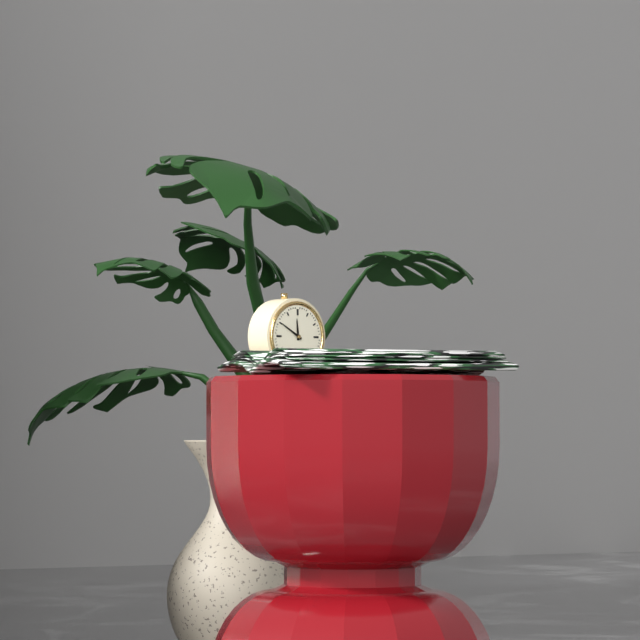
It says 11.50
